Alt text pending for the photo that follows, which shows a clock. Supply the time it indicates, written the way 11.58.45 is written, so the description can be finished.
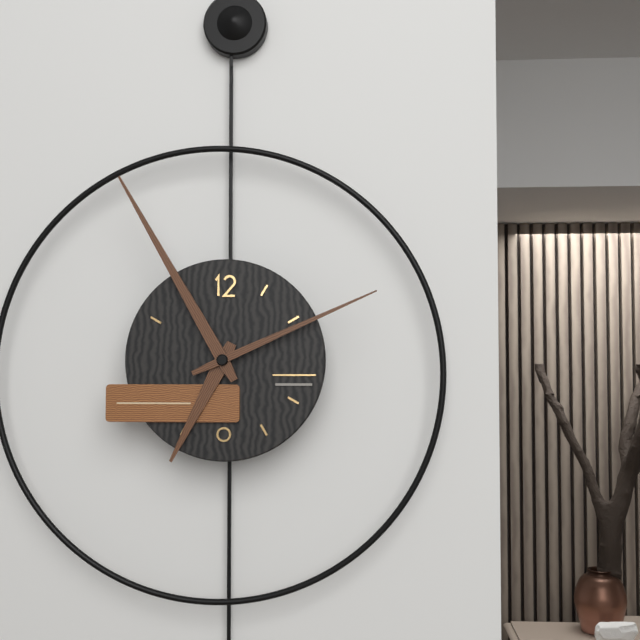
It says 6.55.11
